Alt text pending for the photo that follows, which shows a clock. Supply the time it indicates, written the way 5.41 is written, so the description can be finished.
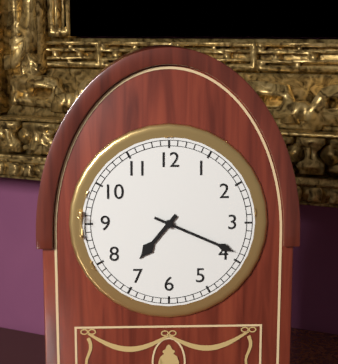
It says 7.19
